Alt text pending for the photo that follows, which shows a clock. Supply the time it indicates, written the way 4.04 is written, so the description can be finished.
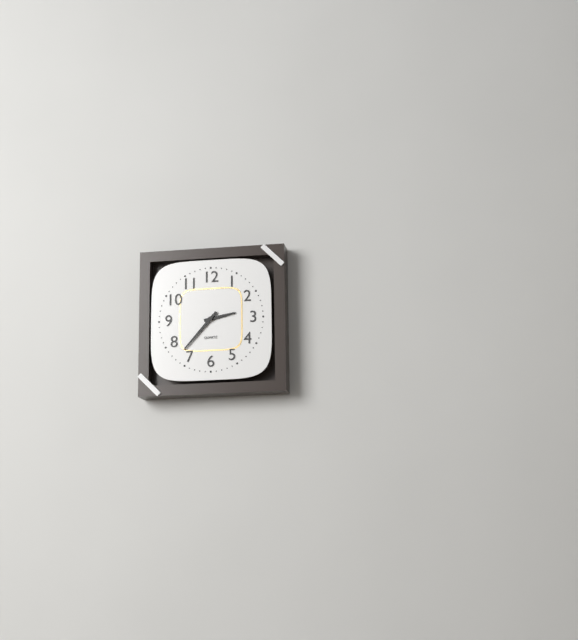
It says 2.37
